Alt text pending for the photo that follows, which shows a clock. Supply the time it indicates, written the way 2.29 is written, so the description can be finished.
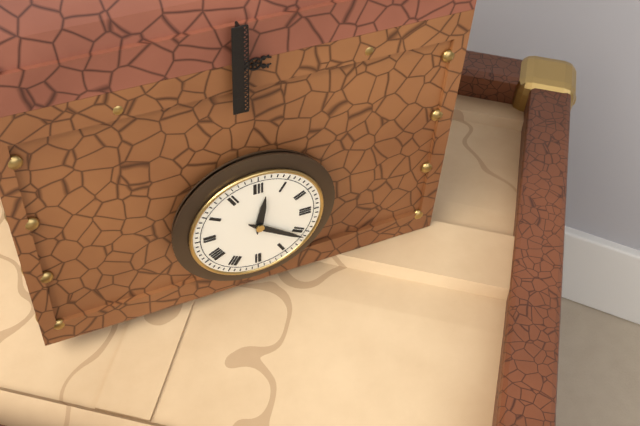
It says 12.21
